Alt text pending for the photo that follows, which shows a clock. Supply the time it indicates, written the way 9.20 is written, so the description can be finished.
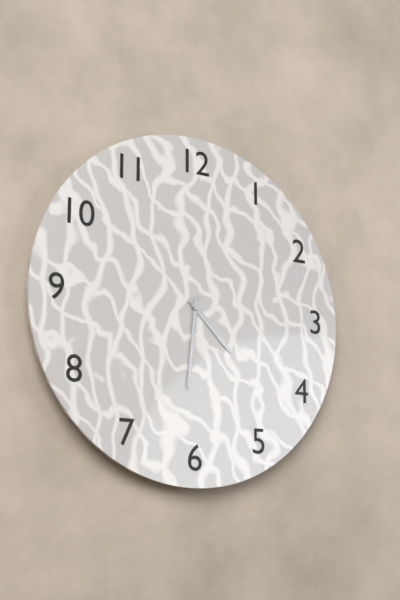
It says 4.31
